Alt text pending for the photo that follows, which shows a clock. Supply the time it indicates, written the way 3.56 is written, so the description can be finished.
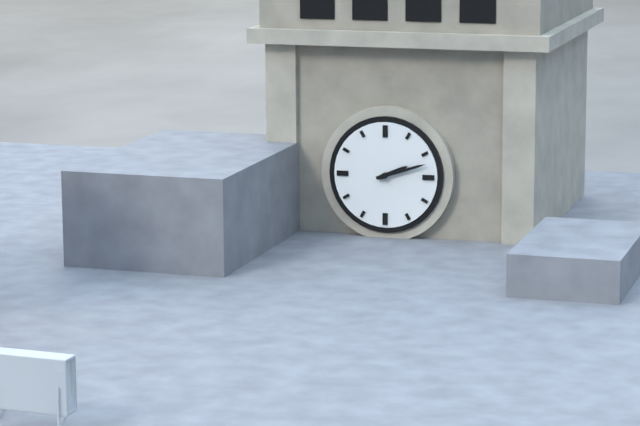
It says 2.12
